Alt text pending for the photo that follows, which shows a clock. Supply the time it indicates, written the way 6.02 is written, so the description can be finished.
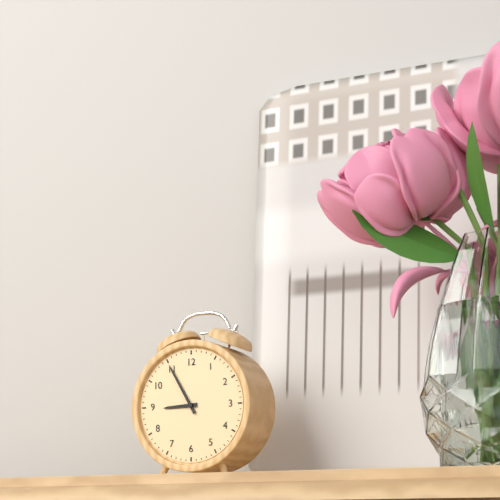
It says 8.55
